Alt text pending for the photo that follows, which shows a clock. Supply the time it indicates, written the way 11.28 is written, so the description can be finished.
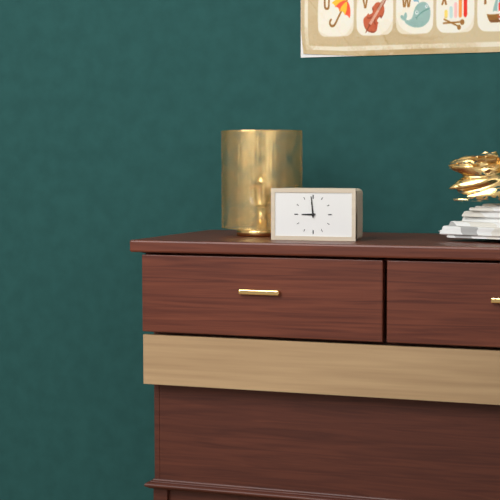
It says 8.59
